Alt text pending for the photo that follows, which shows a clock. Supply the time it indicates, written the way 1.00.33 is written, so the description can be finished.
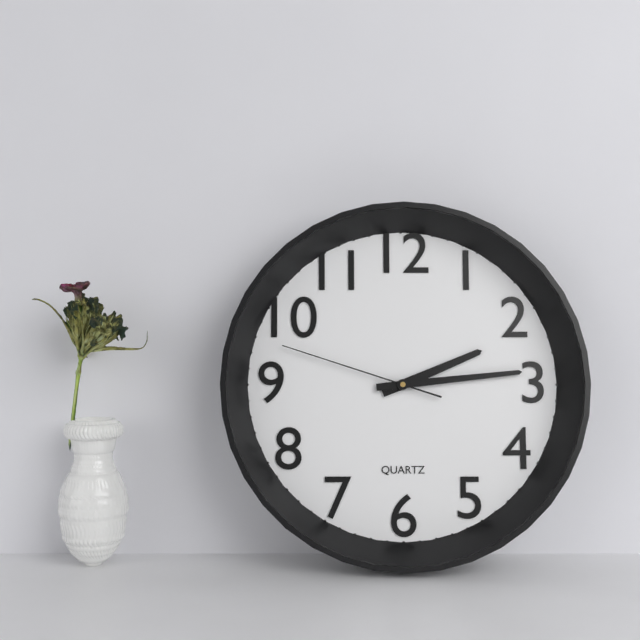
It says 2.14.48
